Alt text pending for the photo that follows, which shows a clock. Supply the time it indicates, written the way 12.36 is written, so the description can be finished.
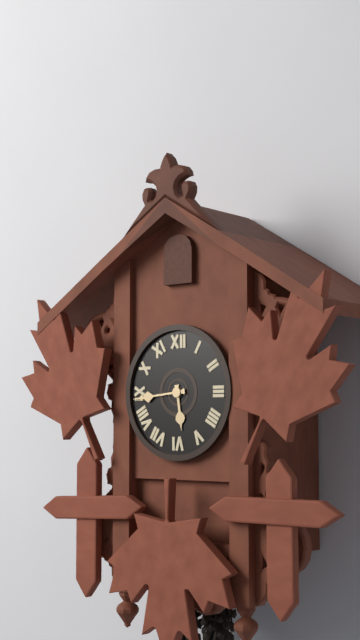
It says 5.44
